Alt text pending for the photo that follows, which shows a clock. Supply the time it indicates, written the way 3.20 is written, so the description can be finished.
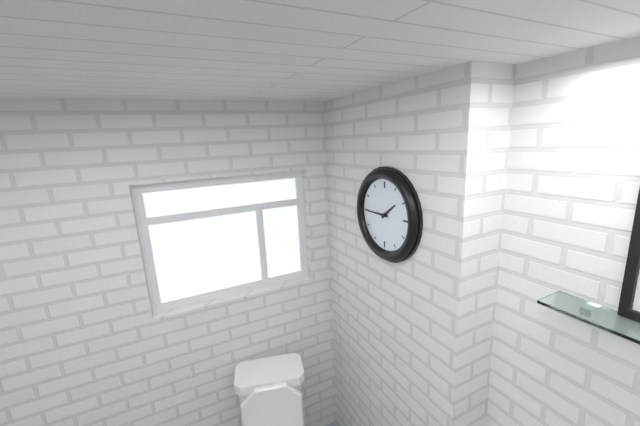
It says 1.45
